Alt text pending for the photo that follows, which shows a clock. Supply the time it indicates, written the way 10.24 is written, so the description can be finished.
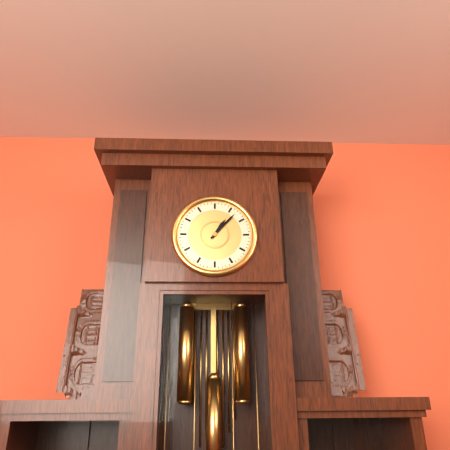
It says 1.07
